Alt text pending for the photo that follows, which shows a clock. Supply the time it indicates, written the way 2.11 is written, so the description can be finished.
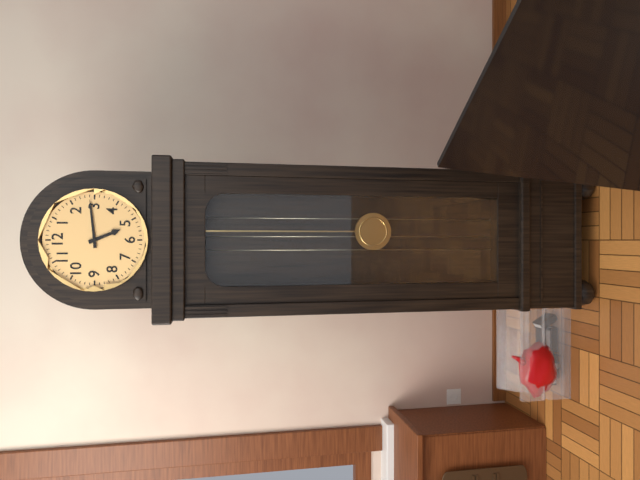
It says 5.14
